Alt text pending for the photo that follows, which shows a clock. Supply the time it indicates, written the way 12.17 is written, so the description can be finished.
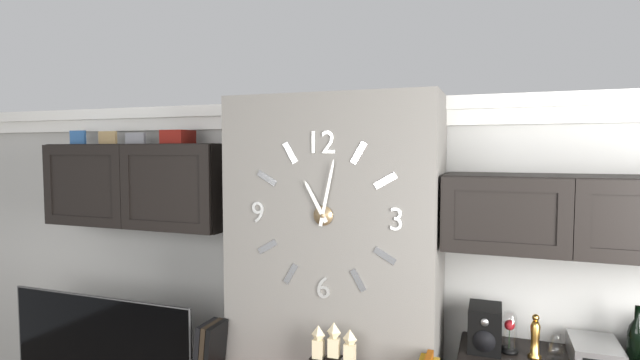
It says 11.02
